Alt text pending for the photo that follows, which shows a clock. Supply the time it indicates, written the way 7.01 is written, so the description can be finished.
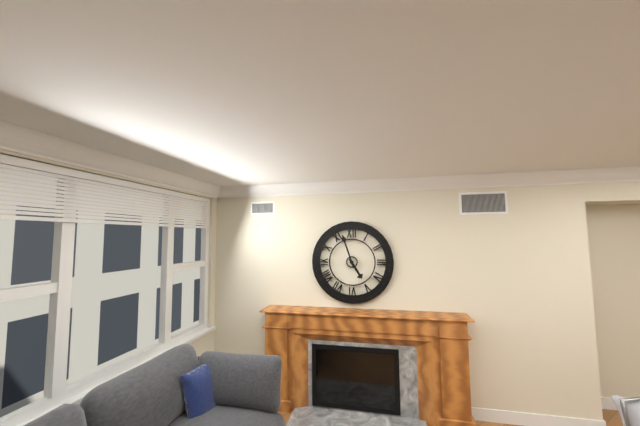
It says 4.57
